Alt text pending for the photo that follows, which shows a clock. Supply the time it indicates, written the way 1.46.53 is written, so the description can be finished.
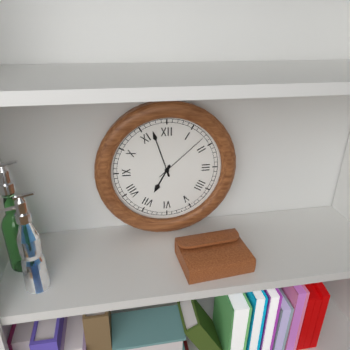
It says 6.57.08
